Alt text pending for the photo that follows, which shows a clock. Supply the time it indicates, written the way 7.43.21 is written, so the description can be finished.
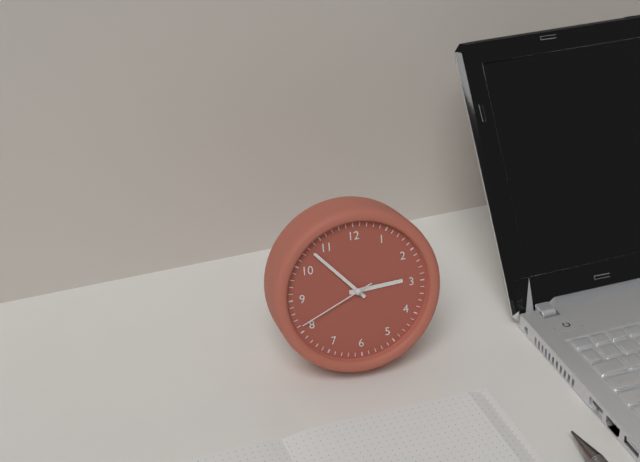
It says 2.53.41
